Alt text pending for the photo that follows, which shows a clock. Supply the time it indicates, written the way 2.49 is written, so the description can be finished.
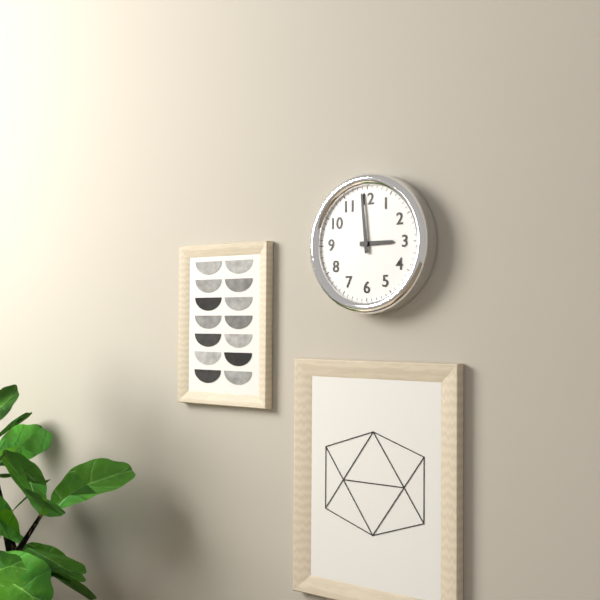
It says 2.59
